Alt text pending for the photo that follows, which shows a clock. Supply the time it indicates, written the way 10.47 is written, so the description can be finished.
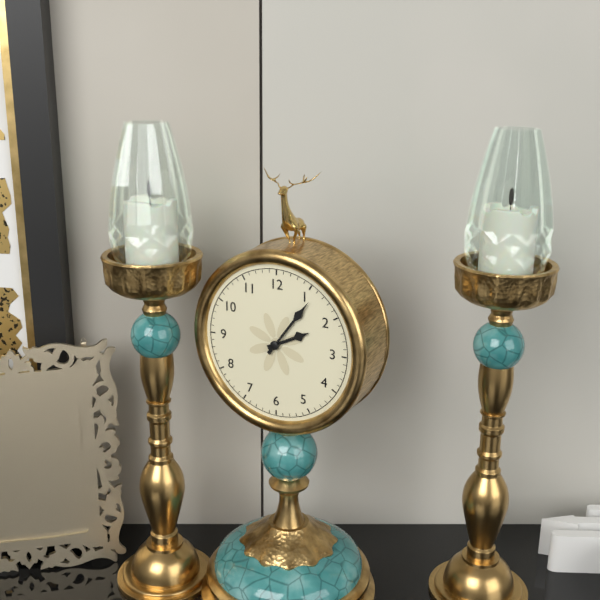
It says 2.06
